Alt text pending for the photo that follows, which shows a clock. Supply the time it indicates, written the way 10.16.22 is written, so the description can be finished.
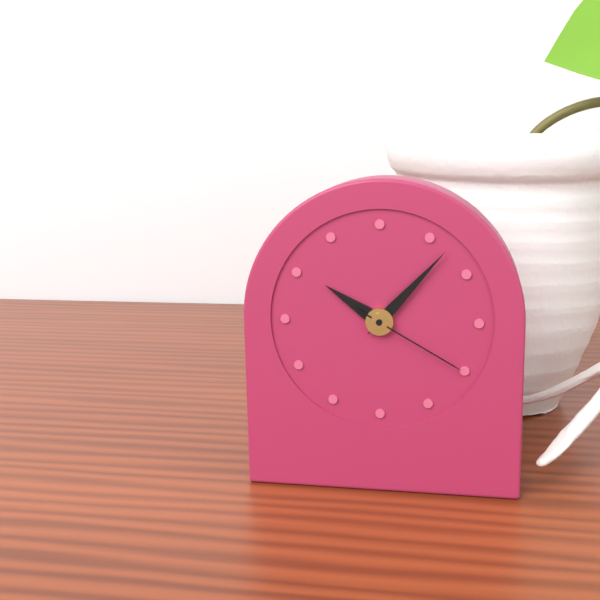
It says 10.07.20
